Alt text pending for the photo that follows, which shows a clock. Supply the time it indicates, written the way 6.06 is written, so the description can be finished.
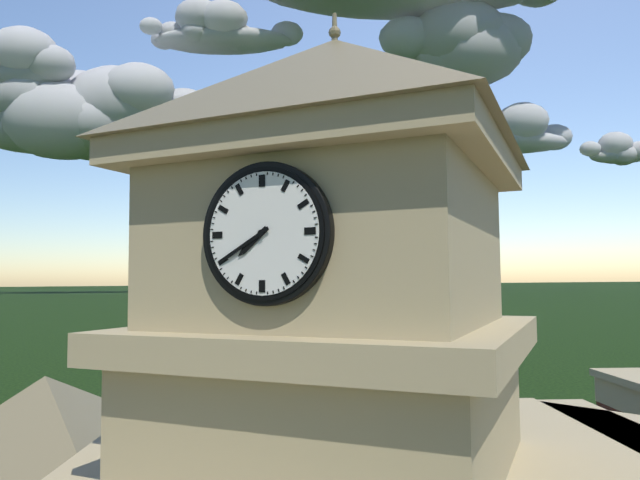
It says 7.40
